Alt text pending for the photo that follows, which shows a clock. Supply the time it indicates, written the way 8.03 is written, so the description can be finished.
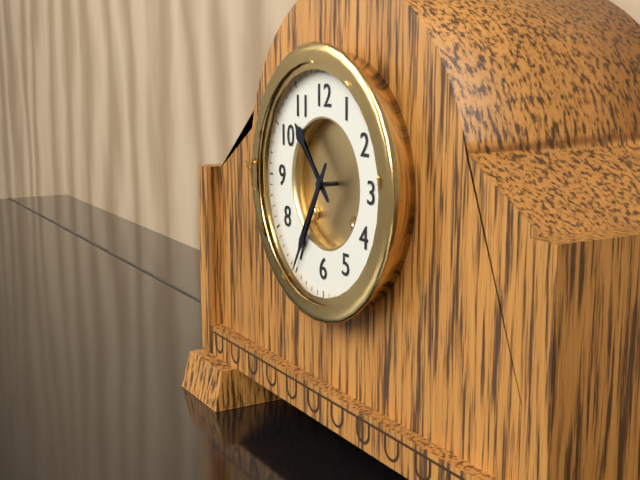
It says 10.35
